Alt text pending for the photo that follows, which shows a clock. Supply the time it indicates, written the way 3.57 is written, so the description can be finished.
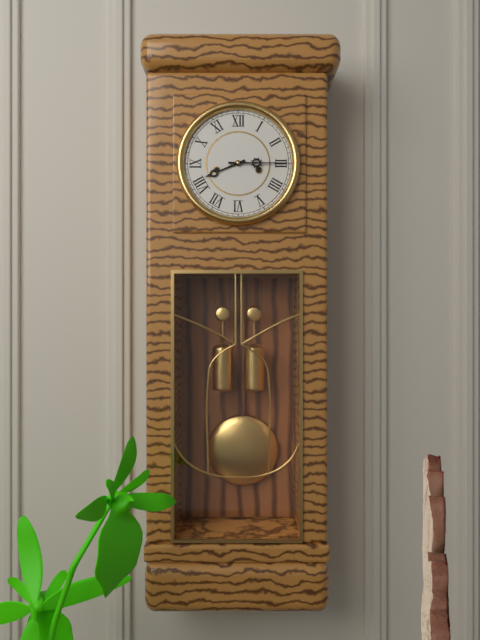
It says 8.15
